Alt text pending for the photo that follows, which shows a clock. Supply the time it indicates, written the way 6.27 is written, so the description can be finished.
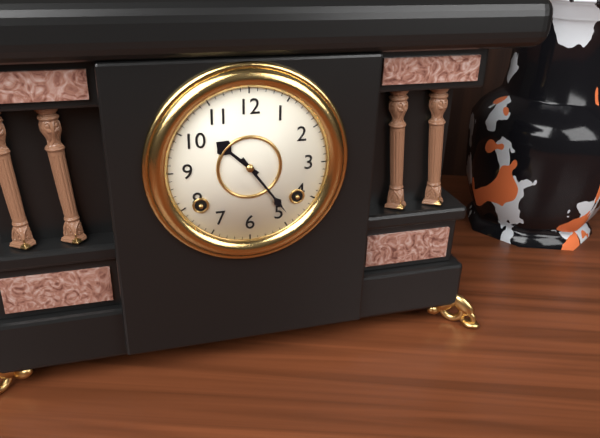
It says 10.24
